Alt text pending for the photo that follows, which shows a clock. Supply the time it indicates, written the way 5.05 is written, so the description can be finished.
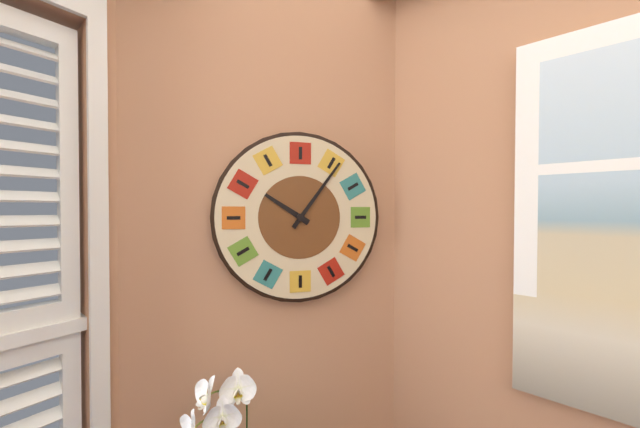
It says 10.06
